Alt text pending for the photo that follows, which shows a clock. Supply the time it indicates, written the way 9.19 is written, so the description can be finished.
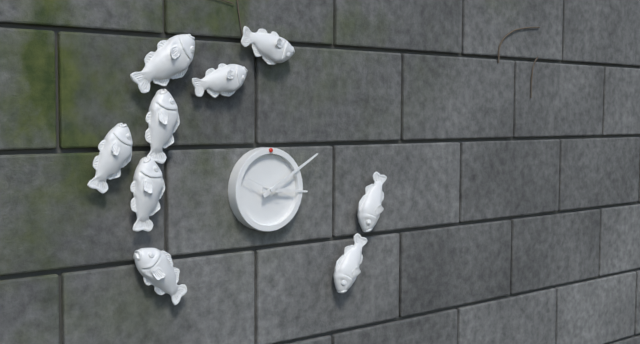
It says 3.10
